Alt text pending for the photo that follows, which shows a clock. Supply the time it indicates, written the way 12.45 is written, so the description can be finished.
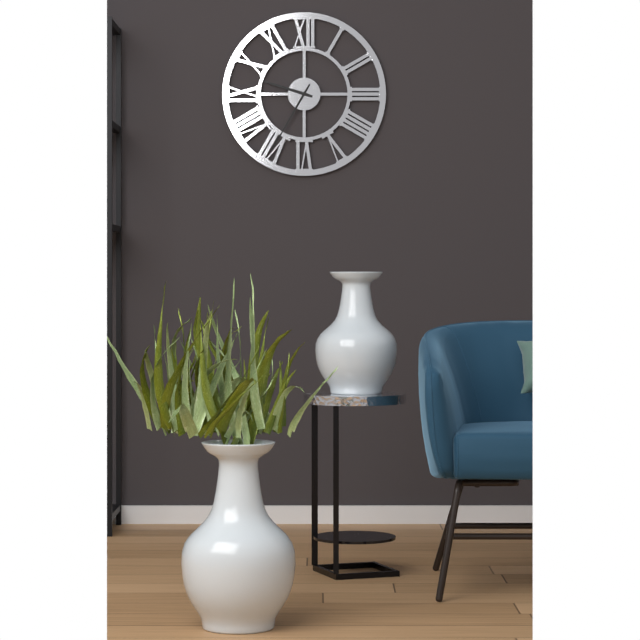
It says 9.35
